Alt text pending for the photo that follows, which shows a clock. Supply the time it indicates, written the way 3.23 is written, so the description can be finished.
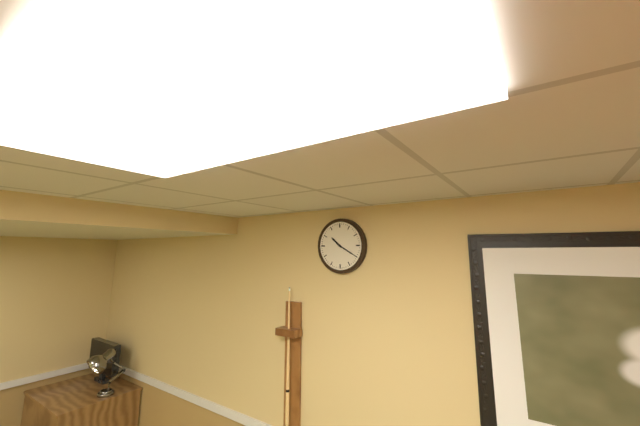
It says 10.20
